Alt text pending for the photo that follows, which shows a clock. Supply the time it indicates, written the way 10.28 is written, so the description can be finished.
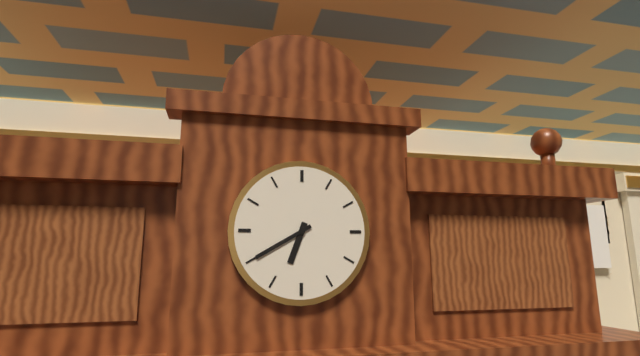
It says 6.40
